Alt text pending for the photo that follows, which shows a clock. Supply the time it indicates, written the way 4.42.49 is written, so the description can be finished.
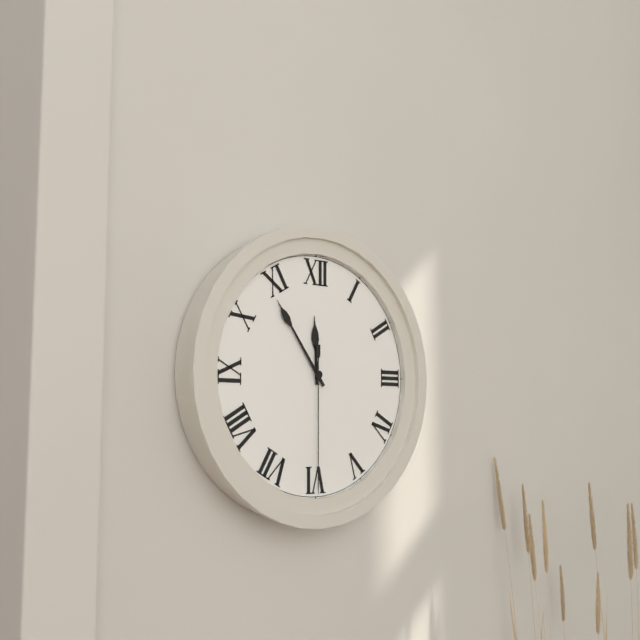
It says 11.54.30
